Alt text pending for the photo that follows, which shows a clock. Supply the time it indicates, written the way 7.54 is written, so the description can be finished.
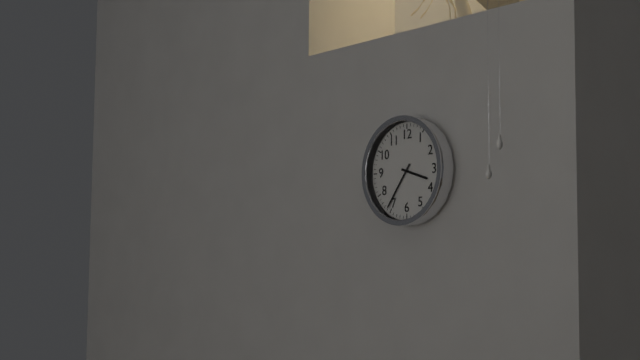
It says 3.36
